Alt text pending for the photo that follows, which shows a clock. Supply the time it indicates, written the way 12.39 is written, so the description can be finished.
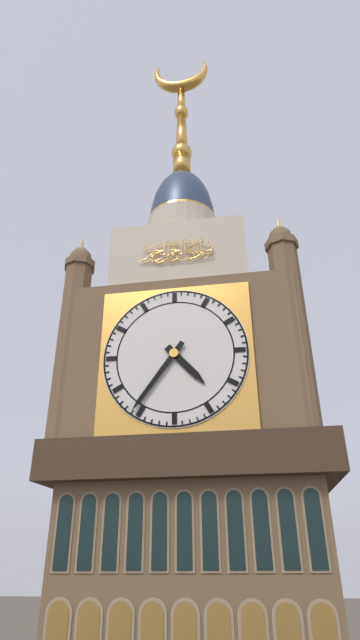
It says 4.36
